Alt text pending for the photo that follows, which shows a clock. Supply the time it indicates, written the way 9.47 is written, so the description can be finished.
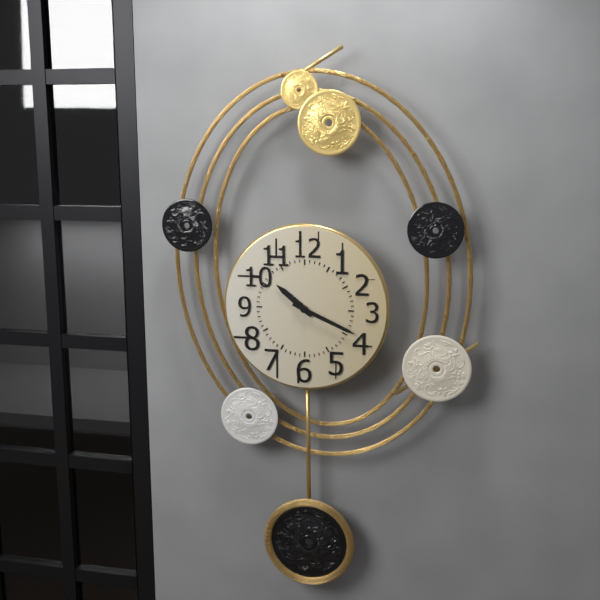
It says 10.19
